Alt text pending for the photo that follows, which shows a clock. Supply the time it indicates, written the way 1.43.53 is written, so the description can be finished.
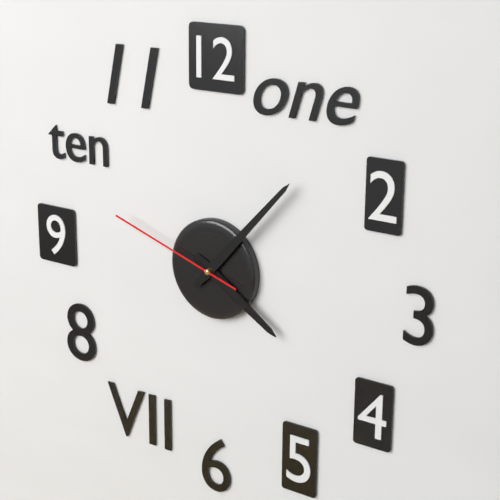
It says 4.07.48
